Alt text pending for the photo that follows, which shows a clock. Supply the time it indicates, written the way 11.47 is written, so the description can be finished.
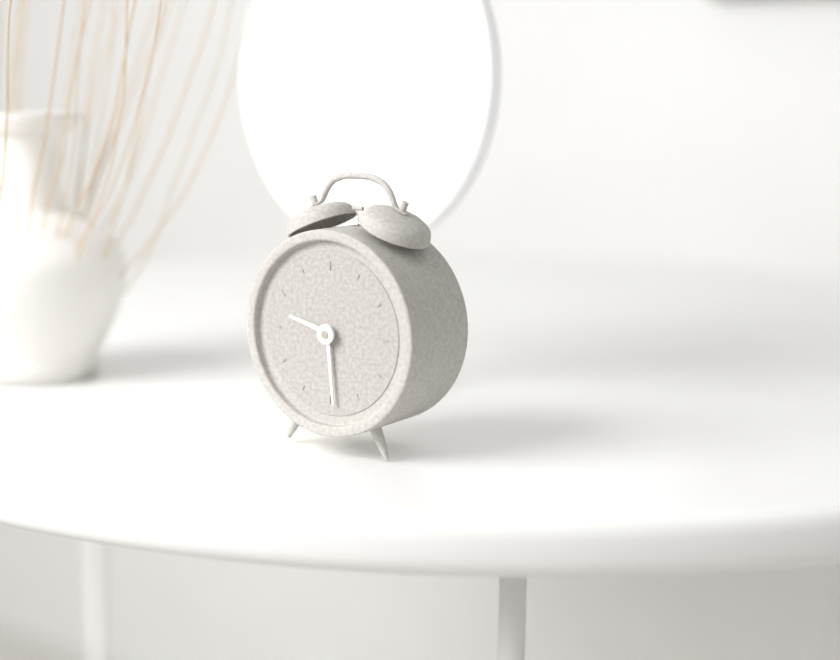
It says 9.29
